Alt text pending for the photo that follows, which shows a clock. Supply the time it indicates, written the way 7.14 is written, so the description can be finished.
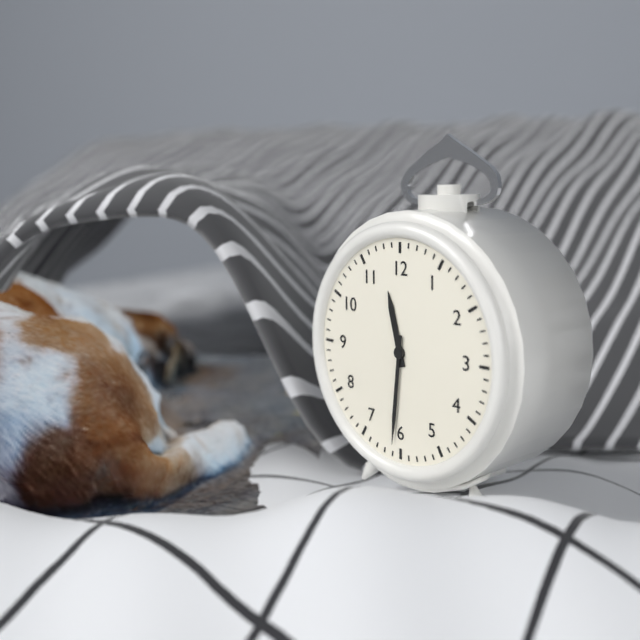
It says 11.31
